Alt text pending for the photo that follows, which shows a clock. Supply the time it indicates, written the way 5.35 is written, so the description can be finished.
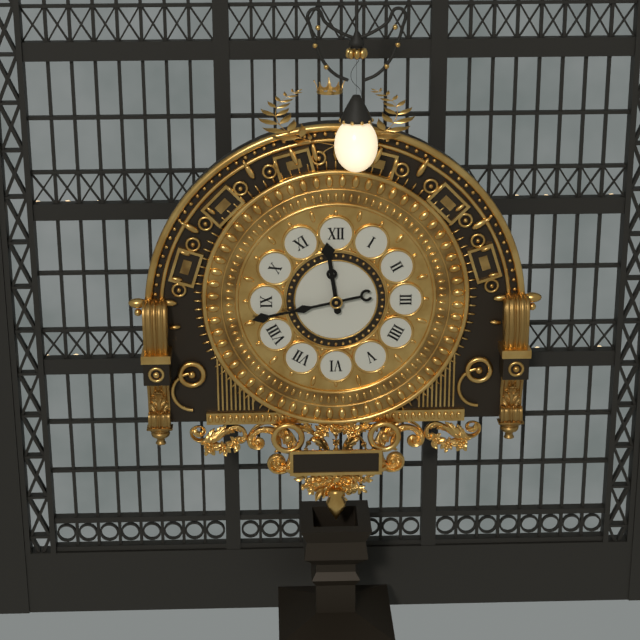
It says 11.43
